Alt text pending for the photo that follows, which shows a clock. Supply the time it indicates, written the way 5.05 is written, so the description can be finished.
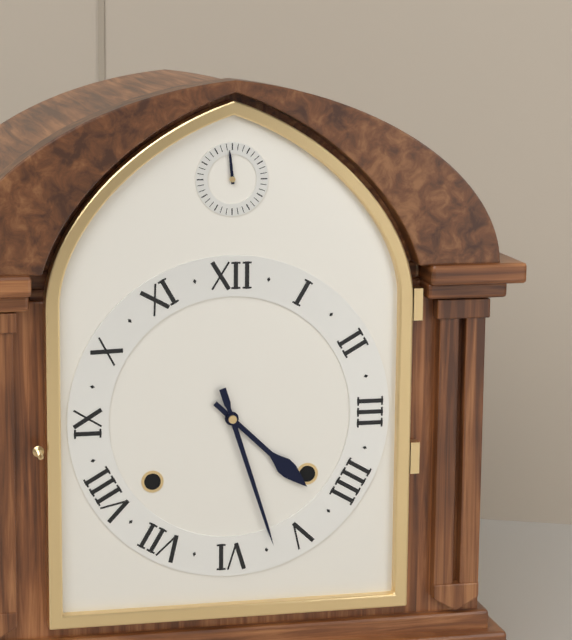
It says 4.27
